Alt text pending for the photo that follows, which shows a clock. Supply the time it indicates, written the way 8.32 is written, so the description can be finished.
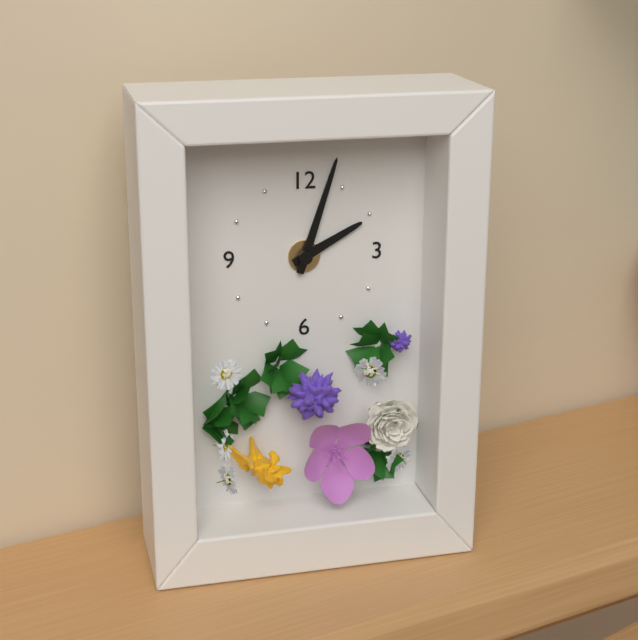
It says 2.03
